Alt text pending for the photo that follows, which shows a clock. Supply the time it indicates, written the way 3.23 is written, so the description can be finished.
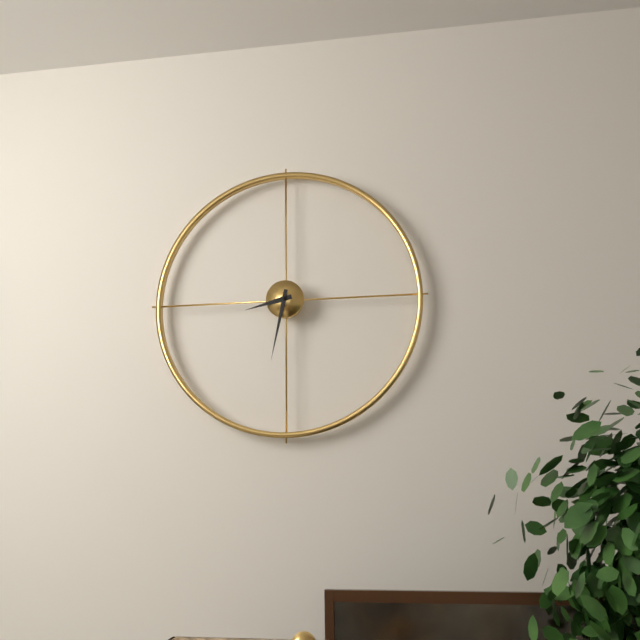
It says 8.32
